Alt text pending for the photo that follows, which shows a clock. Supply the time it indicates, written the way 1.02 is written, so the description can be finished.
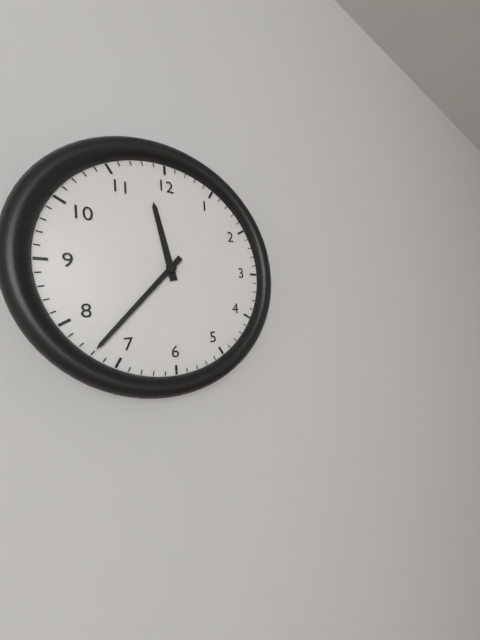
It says 11.37
